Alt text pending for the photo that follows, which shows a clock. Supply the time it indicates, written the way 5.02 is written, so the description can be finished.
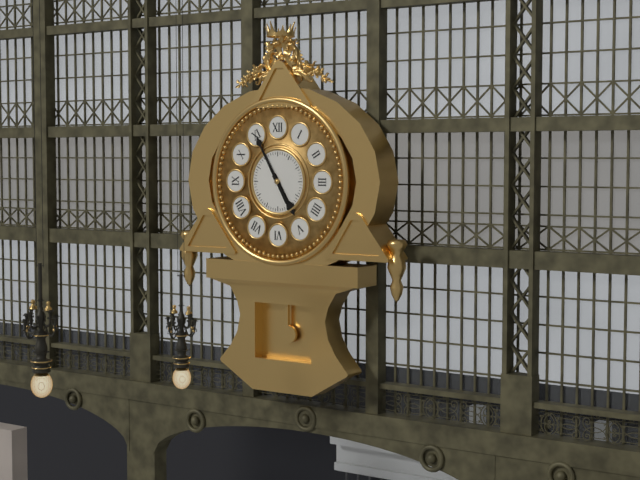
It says 4.55
